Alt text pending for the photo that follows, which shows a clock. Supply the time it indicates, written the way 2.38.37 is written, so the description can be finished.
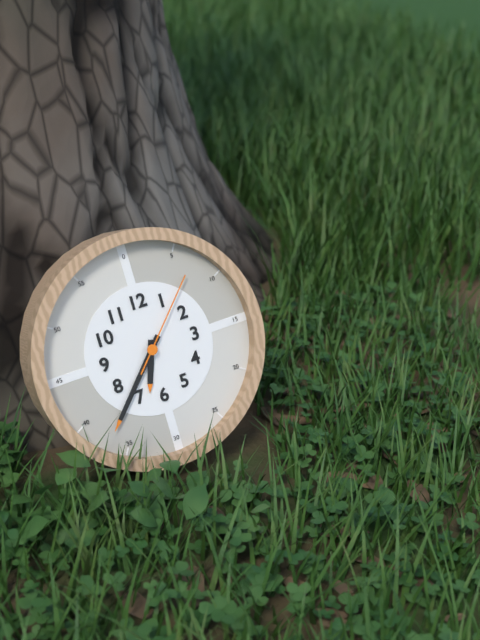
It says 6.37.07
